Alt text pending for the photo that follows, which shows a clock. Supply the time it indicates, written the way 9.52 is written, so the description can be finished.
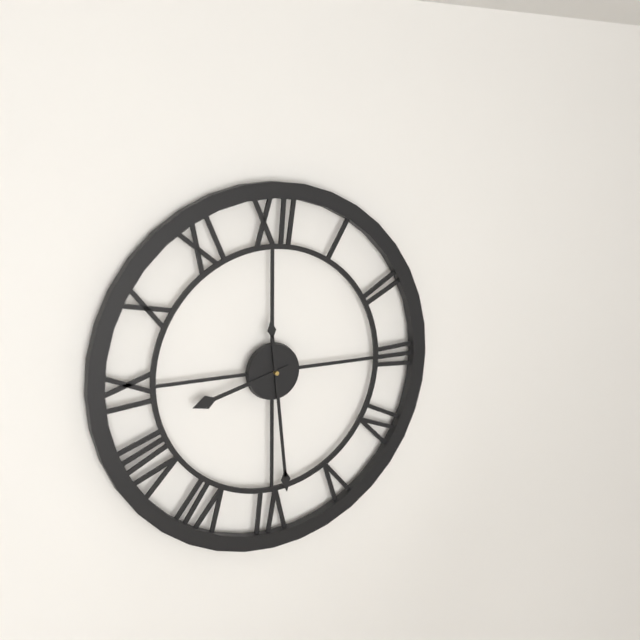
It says 8.29
